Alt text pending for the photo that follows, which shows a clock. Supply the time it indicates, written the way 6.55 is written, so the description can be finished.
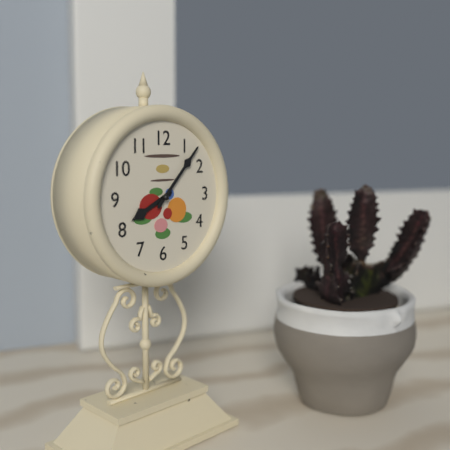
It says 8.07
